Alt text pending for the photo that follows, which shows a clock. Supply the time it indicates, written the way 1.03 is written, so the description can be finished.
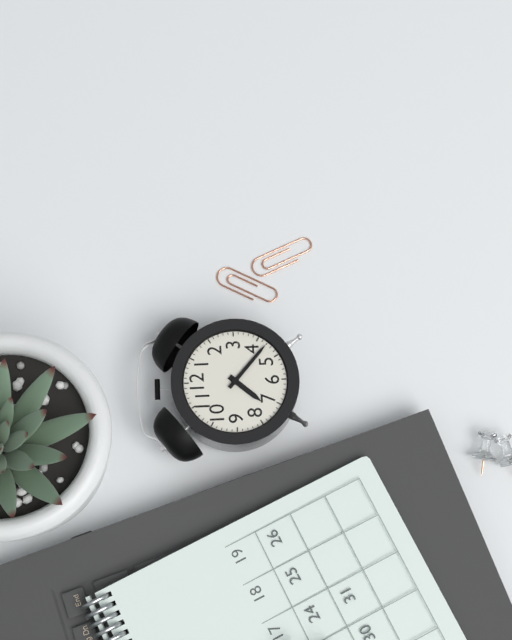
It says 7.22
